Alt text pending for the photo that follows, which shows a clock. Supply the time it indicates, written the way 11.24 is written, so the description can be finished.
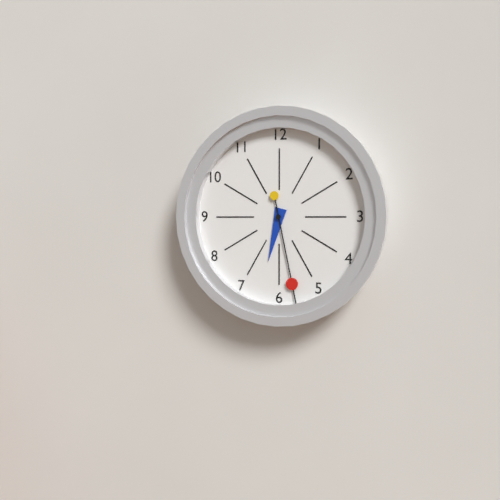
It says 6.28
